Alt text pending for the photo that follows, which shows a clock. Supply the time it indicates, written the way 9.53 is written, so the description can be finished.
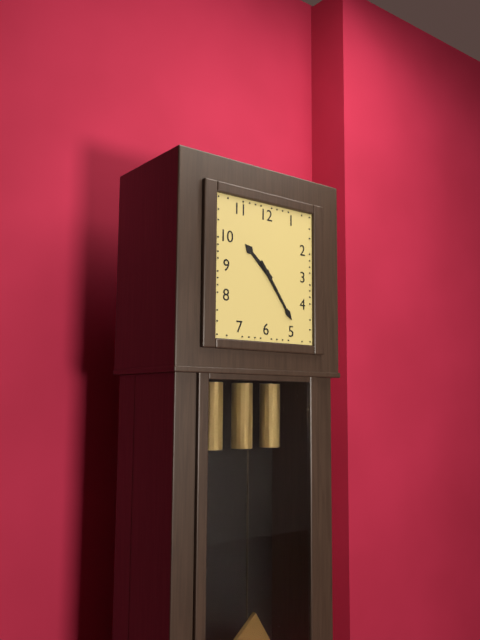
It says 10.24
